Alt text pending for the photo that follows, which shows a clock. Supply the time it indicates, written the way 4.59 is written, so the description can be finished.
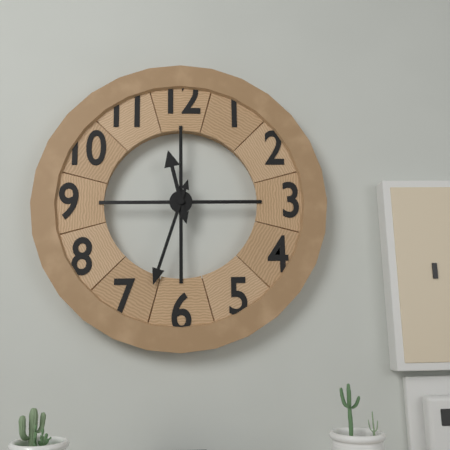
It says 11.33
